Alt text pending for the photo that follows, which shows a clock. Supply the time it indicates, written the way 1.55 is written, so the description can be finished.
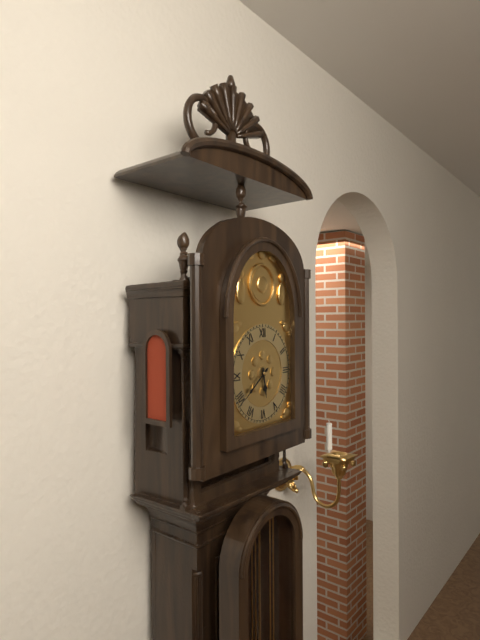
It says 5.39
